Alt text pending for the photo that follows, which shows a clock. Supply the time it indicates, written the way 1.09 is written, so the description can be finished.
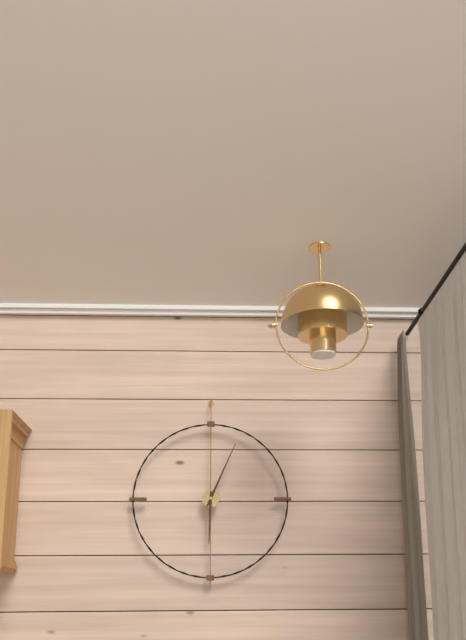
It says 6.04
